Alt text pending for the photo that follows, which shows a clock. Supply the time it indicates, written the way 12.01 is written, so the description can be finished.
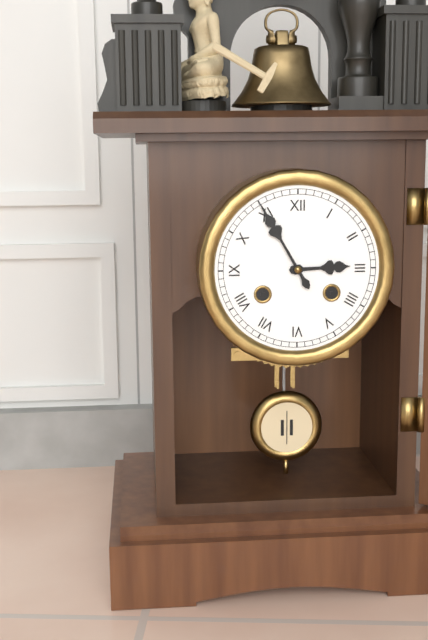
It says 2.55
